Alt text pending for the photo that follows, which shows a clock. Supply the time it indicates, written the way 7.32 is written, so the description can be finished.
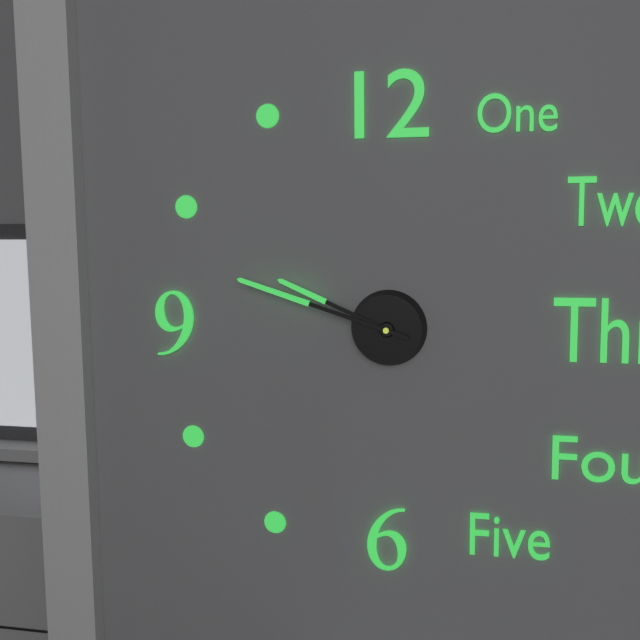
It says 9.48
